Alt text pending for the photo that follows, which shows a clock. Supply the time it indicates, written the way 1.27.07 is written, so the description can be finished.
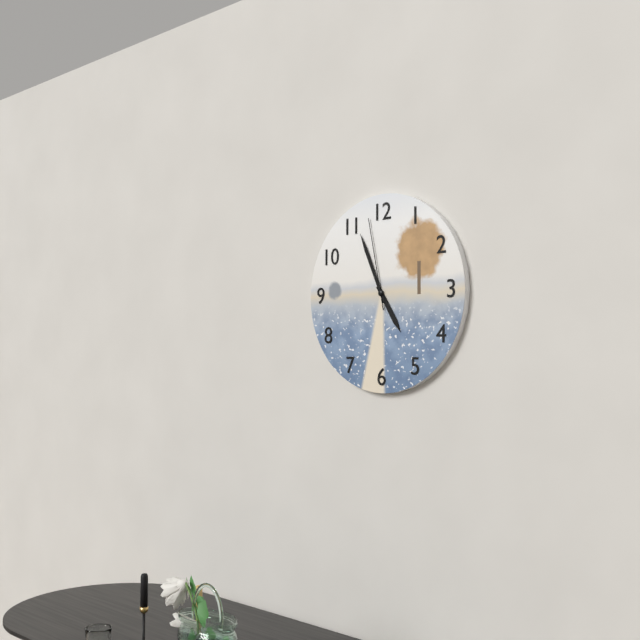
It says 4.56.58
